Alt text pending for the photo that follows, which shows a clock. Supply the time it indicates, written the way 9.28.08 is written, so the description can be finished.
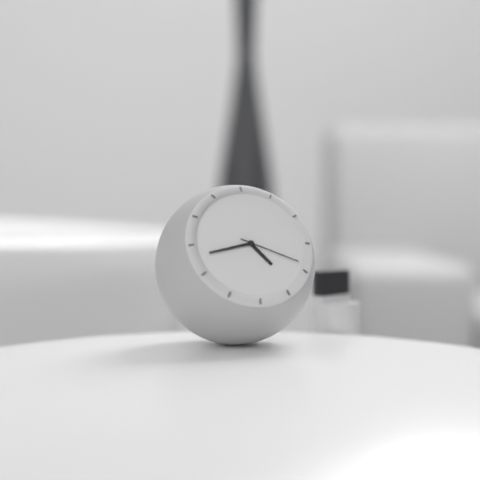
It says 4.43.19
